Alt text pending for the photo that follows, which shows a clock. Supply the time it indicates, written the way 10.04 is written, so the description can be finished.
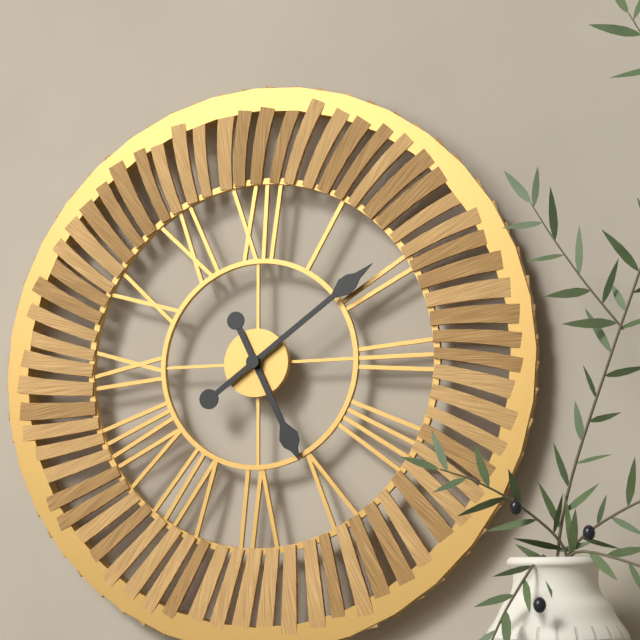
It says 5.09
